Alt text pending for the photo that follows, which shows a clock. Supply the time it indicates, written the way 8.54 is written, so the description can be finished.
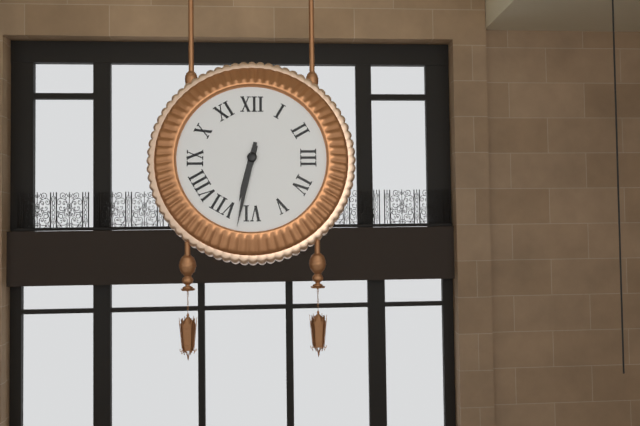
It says 6.32
